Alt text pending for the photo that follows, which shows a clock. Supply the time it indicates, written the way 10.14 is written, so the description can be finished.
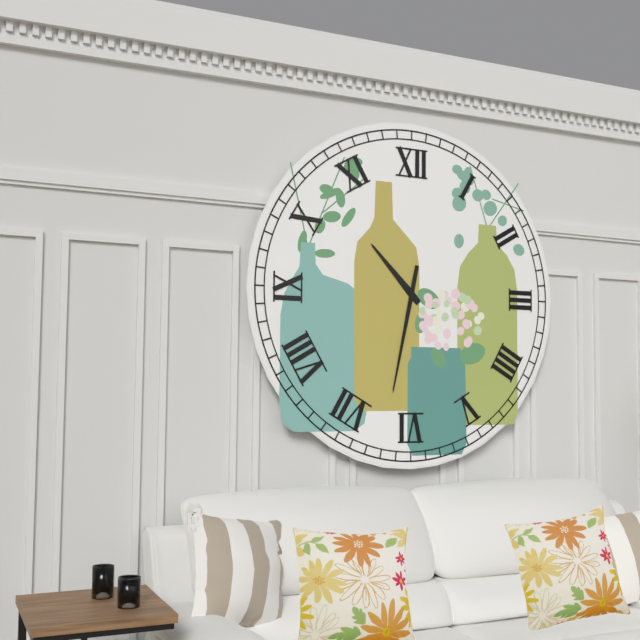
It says 10.32
